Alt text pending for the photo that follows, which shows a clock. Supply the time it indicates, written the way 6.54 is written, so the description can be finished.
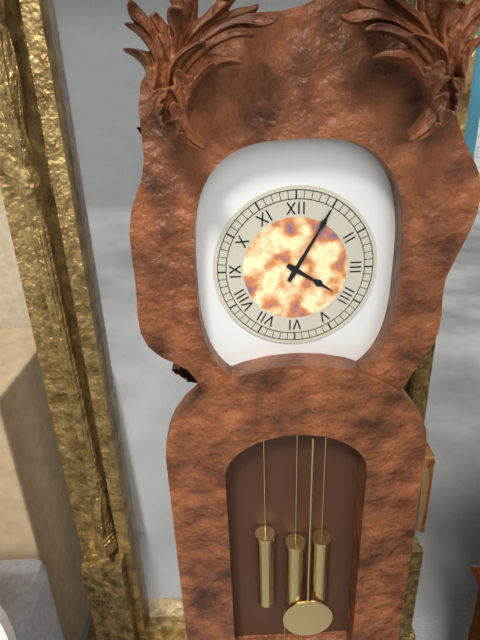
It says 4.05
